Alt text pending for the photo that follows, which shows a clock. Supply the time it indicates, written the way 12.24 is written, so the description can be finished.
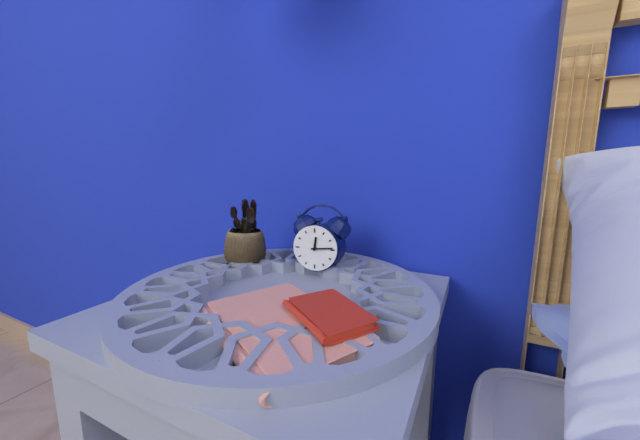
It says 12.14
